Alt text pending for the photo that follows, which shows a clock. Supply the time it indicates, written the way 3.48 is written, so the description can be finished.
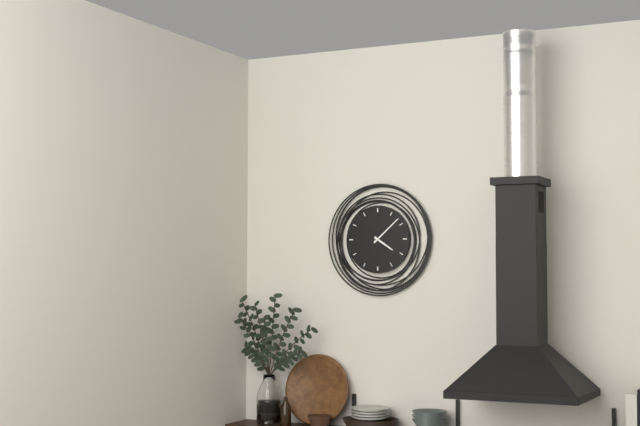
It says 4.08
